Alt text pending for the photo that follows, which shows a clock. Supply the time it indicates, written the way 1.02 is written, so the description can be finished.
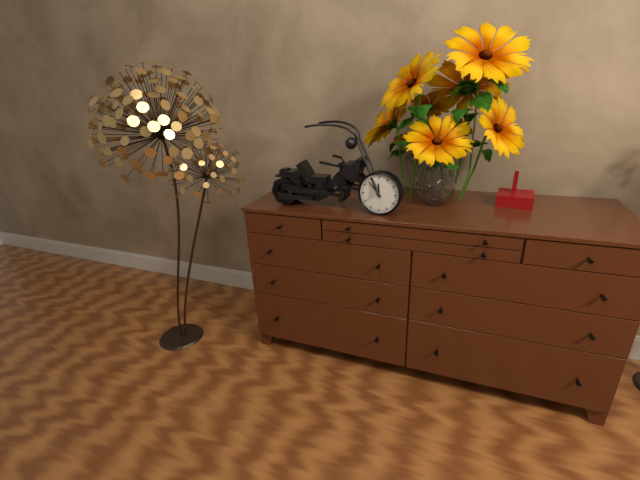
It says 11.53
